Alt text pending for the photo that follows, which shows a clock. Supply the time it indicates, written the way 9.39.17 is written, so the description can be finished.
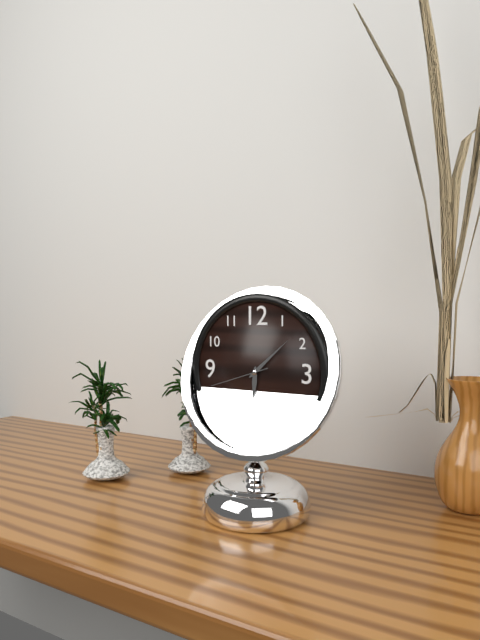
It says 6.08.42
